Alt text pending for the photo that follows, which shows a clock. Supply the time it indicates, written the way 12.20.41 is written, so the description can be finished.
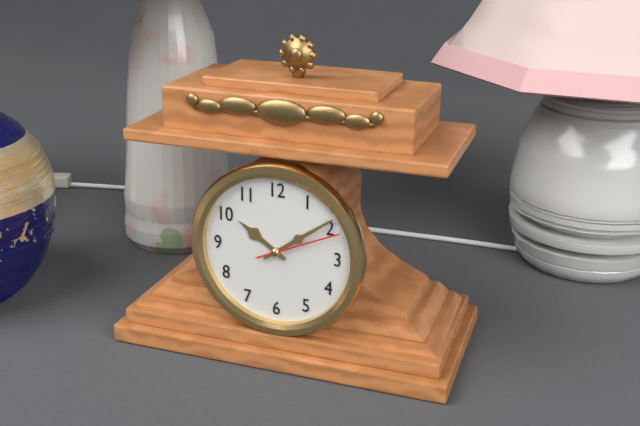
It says 10.09.11
